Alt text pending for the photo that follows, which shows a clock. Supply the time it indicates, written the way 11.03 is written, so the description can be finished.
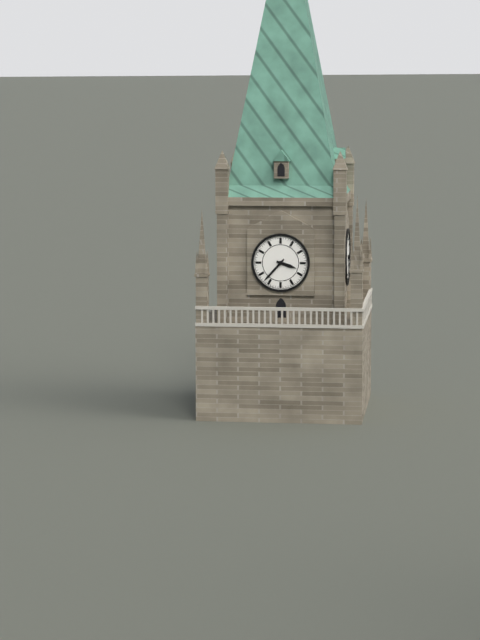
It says 3.37
